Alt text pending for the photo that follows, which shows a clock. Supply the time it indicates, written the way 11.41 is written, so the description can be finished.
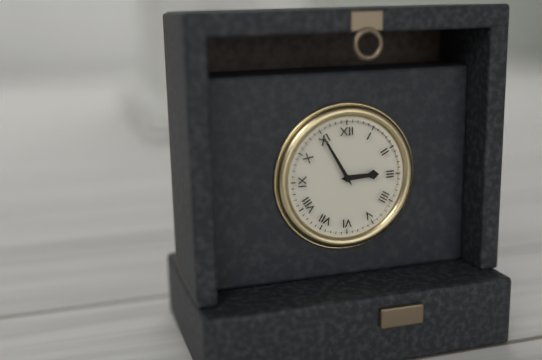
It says 2.55
